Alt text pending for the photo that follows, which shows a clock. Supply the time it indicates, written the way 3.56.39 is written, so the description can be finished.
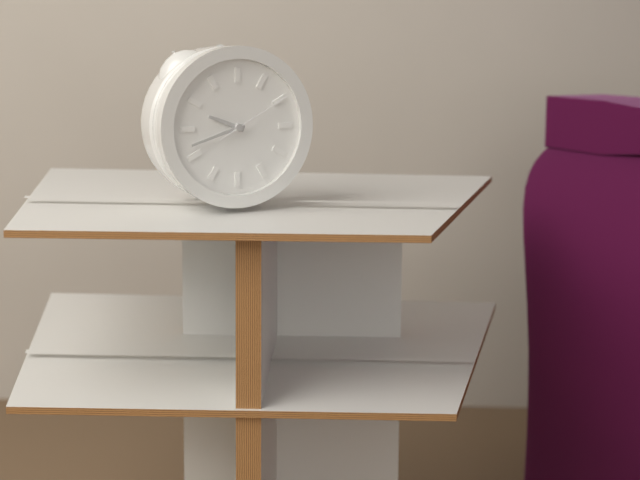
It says 9.42.10
